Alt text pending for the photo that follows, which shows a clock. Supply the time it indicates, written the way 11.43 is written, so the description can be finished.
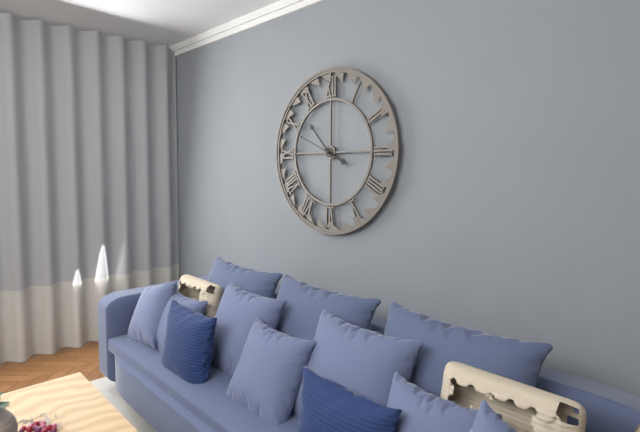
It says 3.53
